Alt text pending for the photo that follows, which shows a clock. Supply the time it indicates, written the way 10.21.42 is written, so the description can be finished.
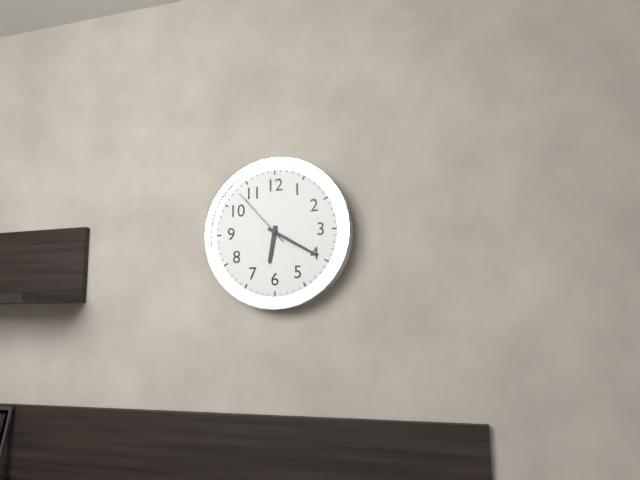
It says 6.20.53
